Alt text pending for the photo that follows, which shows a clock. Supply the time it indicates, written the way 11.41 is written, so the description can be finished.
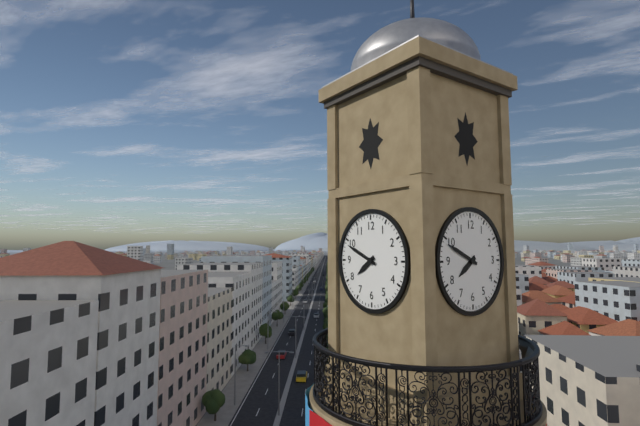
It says 7.49
